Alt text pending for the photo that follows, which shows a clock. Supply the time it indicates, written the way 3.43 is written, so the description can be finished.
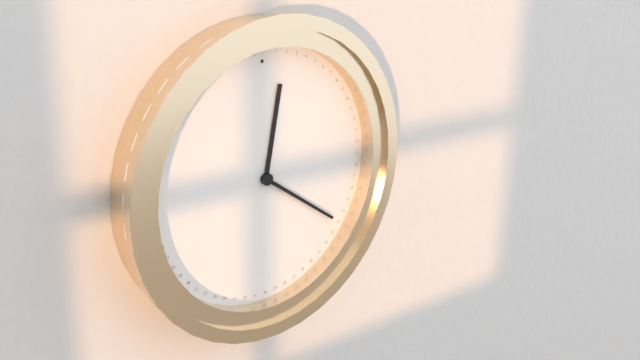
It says 12.21
